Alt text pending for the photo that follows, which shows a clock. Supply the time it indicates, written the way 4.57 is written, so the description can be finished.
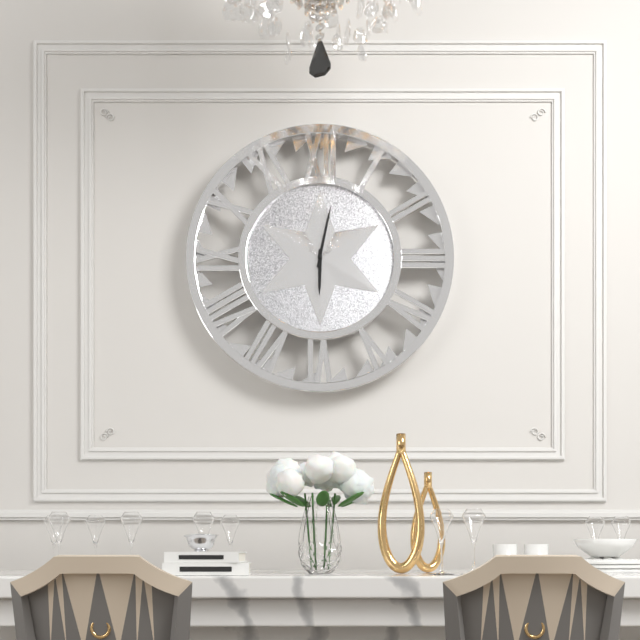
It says 6.02
